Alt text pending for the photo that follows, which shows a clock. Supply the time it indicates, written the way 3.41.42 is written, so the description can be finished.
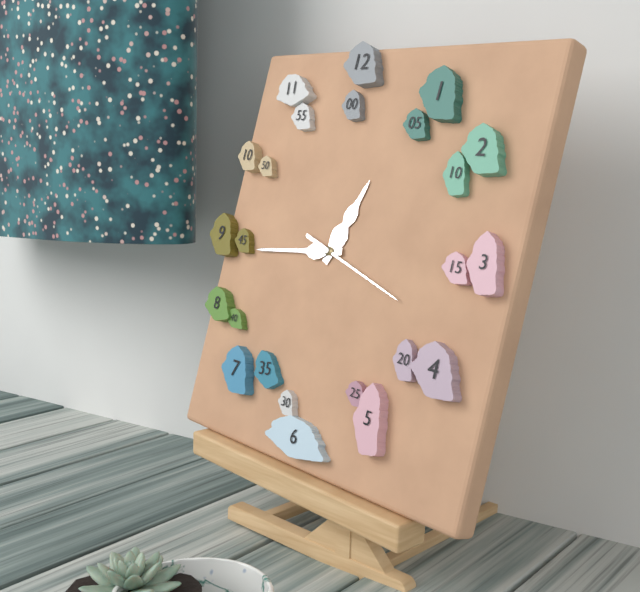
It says 12.44.18
